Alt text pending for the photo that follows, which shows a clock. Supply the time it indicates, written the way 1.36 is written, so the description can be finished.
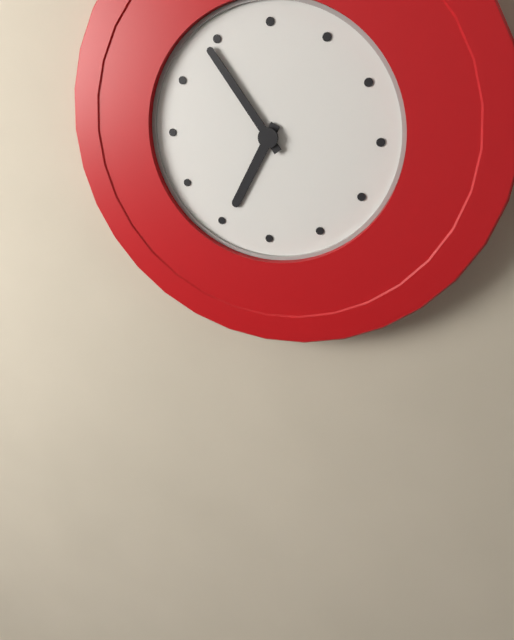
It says 6.54
